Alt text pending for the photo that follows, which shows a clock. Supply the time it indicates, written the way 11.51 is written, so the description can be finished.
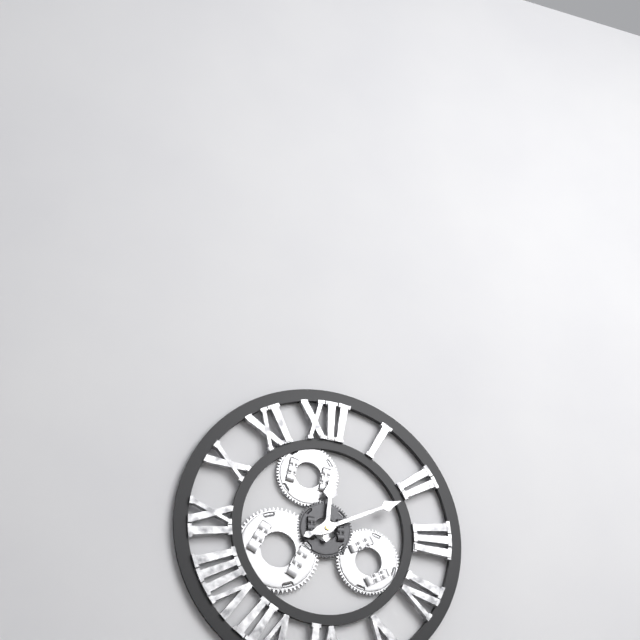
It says 12.11
